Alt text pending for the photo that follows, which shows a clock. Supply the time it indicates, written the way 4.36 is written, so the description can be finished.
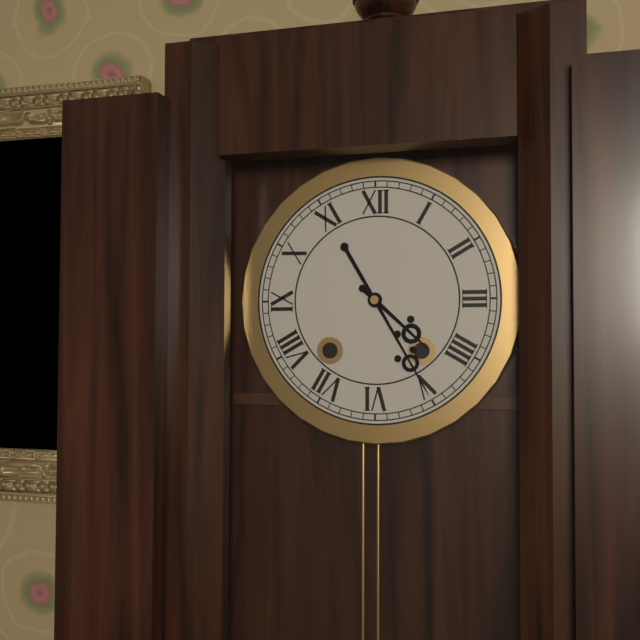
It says 4.25
